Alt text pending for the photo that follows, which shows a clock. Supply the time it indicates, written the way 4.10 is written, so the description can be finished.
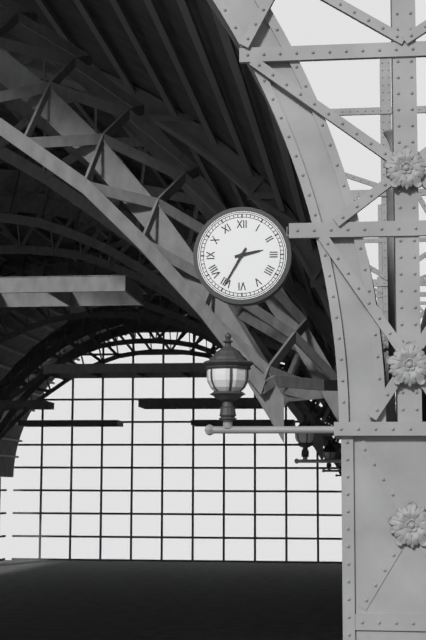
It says 2.35
